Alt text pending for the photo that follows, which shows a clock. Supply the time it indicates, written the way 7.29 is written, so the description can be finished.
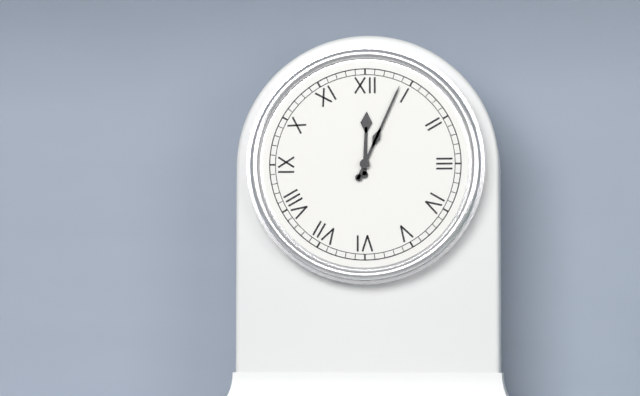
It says 12.04
